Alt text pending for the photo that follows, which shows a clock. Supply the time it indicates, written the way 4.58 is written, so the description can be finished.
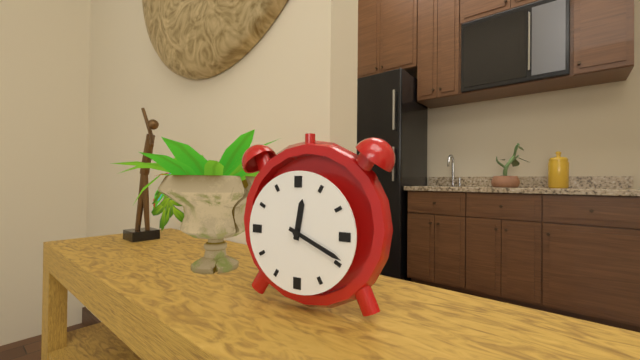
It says 12.19
